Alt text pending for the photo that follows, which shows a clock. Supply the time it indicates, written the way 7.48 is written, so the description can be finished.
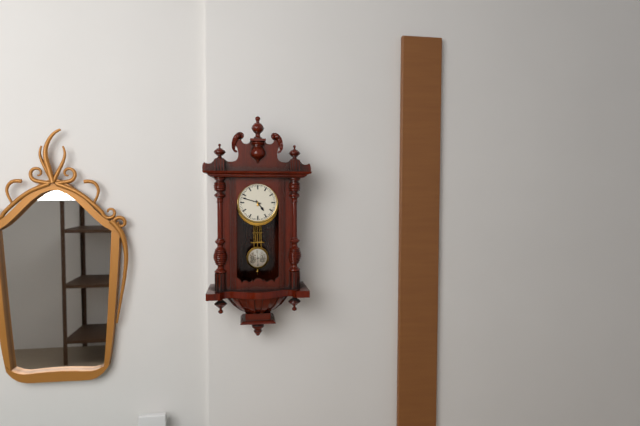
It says 4.48
